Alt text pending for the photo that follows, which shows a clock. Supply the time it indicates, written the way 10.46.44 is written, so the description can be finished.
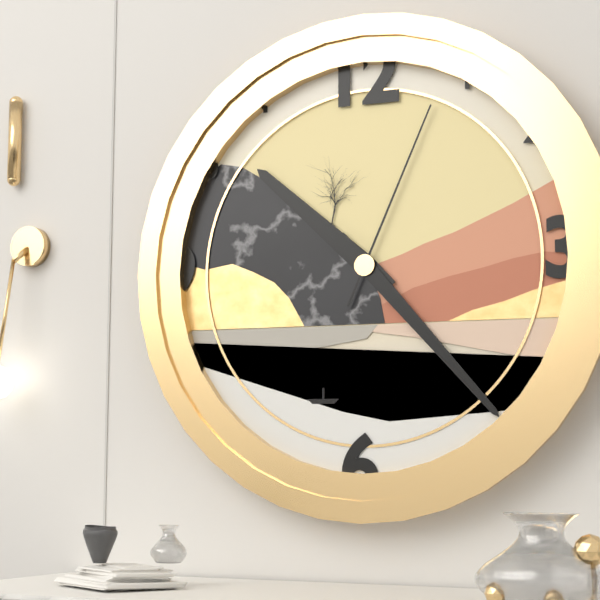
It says 10.23.04
